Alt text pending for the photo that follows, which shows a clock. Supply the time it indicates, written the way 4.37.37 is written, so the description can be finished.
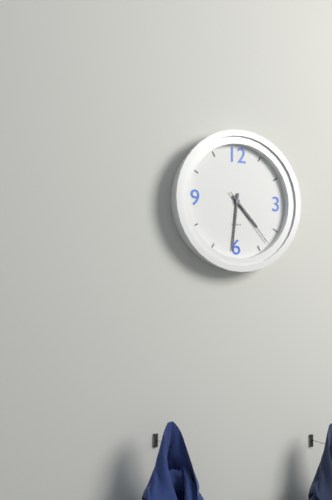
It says 4.31.23
